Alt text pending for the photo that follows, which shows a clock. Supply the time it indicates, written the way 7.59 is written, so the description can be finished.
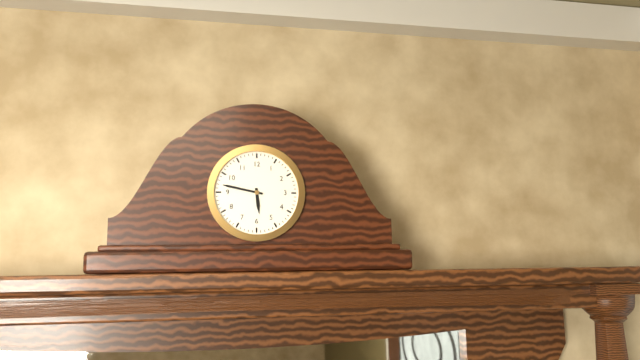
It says 5.47
